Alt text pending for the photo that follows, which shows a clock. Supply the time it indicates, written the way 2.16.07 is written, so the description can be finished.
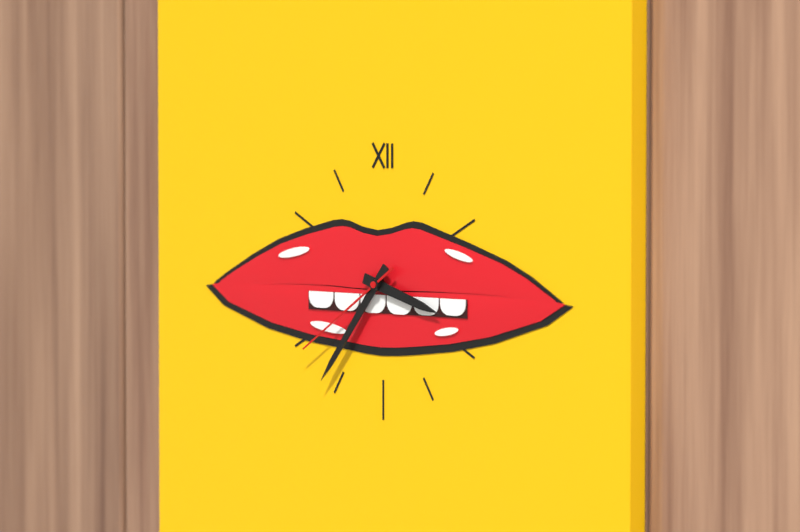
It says 3.36.39
